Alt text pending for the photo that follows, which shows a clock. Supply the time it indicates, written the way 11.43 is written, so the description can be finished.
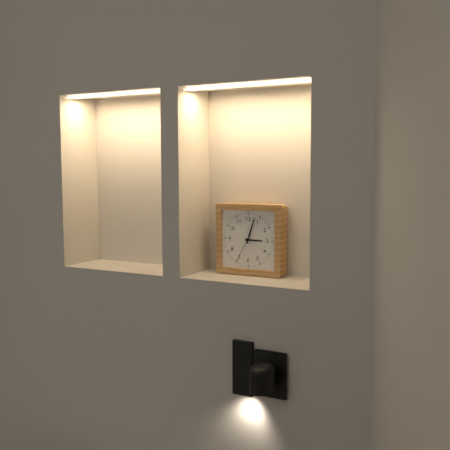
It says 3.03
